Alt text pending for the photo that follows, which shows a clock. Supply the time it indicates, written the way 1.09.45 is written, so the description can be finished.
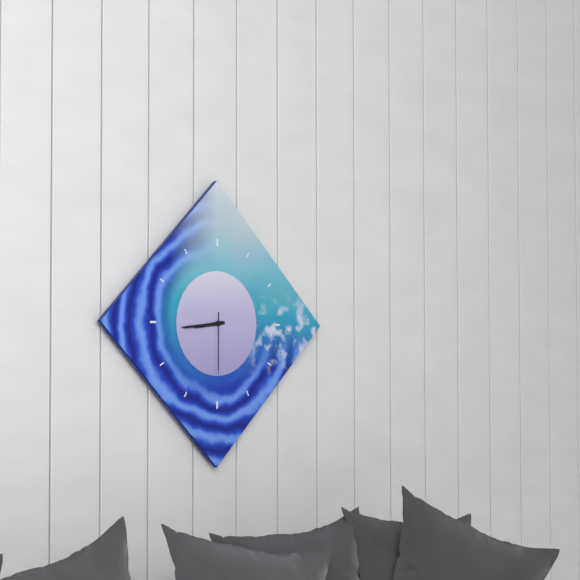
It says 8.44.30
